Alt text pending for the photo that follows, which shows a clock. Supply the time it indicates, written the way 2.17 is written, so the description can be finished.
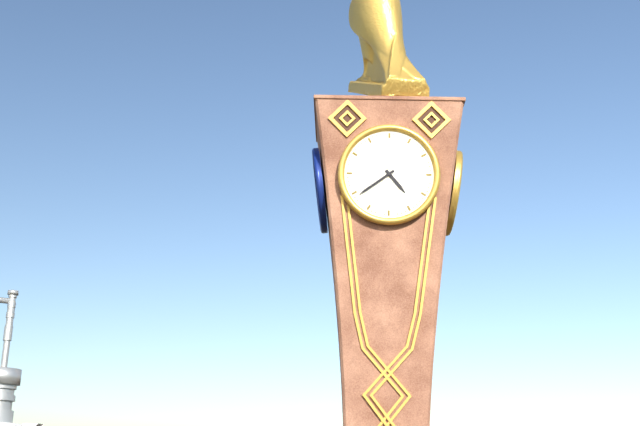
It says 4.39
